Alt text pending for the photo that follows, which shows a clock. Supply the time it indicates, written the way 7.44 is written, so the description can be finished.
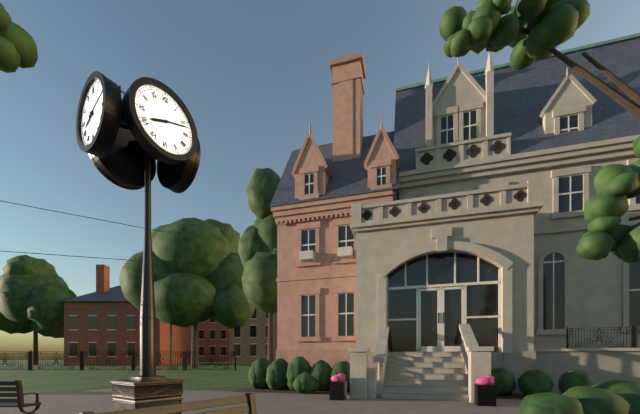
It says 8.12
